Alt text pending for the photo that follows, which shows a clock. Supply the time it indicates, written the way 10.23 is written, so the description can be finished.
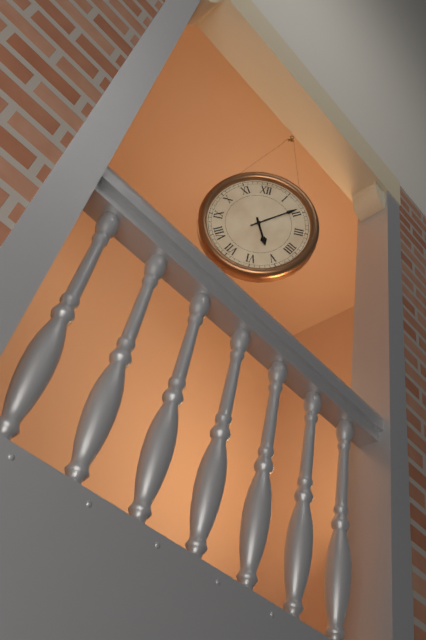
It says 5.09
